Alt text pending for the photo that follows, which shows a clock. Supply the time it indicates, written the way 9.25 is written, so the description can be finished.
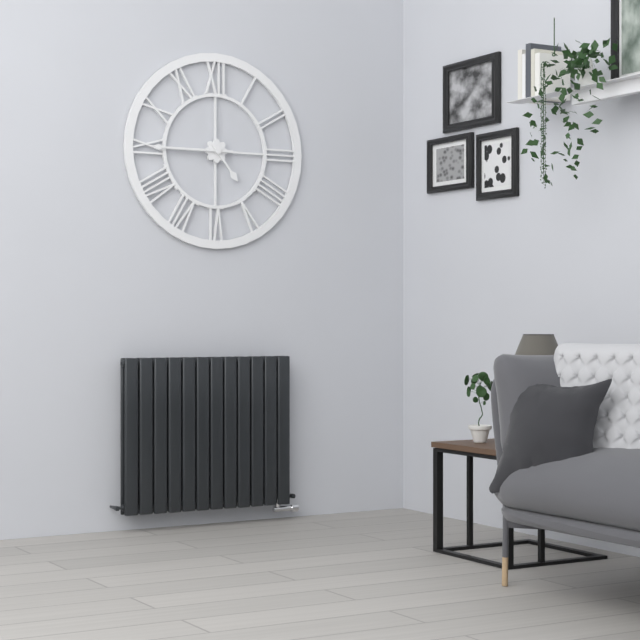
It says 4.45
